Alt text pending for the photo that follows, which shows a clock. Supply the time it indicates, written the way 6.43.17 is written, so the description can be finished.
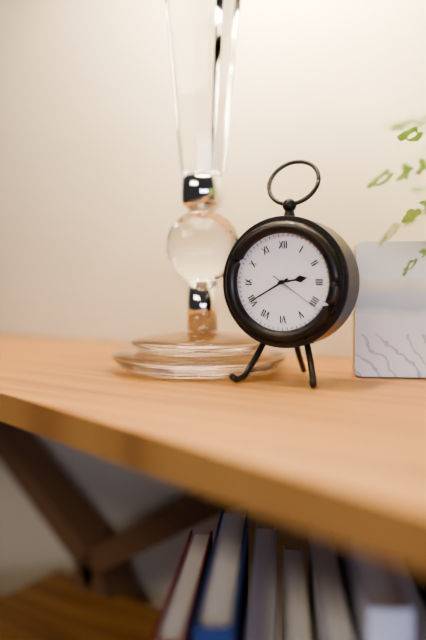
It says 2.40.21
